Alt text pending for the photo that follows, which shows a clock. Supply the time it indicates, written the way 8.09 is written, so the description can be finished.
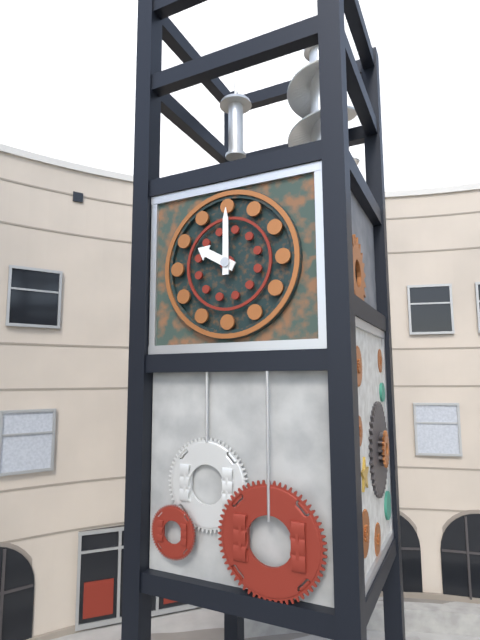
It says 10.00
